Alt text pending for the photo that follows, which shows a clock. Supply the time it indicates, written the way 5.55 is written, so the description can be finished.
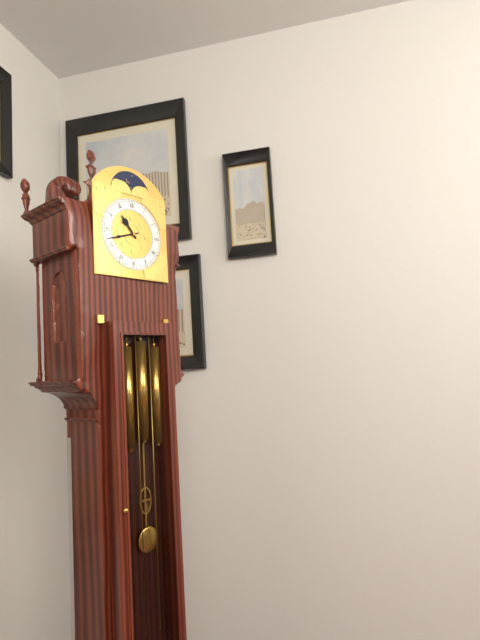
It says 10.42
